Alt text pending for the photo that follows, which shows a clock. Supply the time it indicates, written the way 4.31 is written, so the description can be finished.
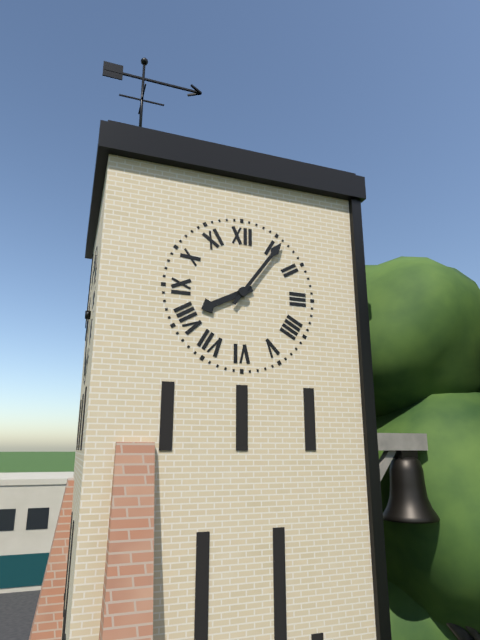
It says 8.06
